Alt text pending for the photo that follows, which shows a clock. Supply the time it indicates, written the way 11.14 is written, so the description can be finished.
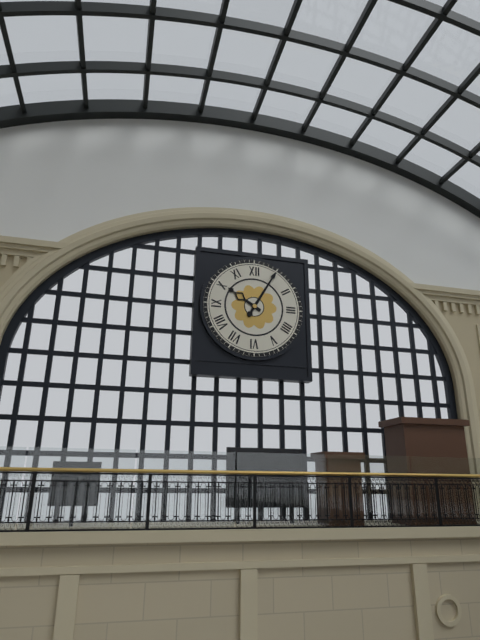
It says 10.05
